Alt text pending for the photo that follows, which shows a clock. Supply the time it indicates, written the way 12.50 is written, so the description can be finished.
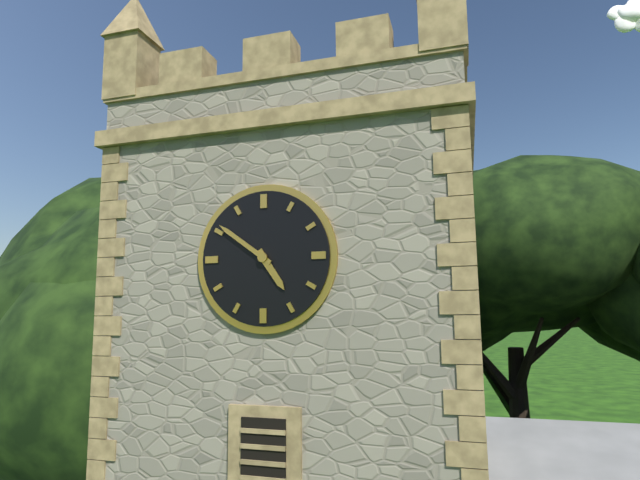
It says 4.51
